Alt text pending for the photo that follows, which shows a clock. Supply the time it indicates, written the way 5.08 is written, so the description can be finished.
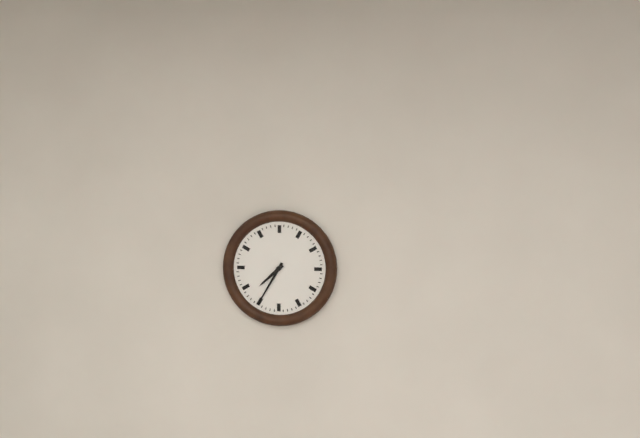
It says 7.35
